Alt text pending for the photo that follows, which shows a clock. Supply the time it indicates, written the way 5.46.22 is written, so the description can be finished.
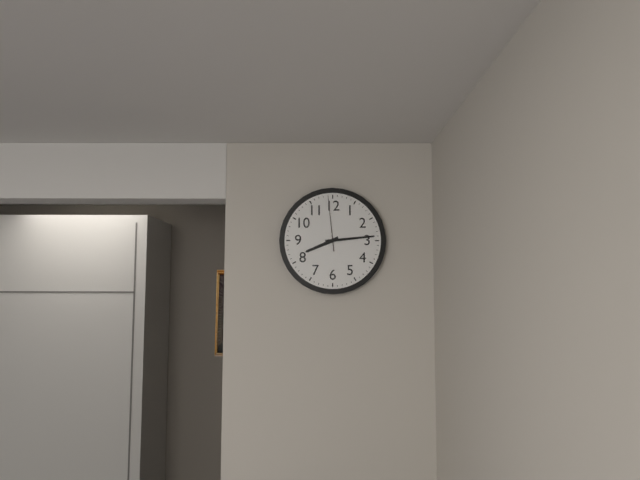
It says 8.14.59
